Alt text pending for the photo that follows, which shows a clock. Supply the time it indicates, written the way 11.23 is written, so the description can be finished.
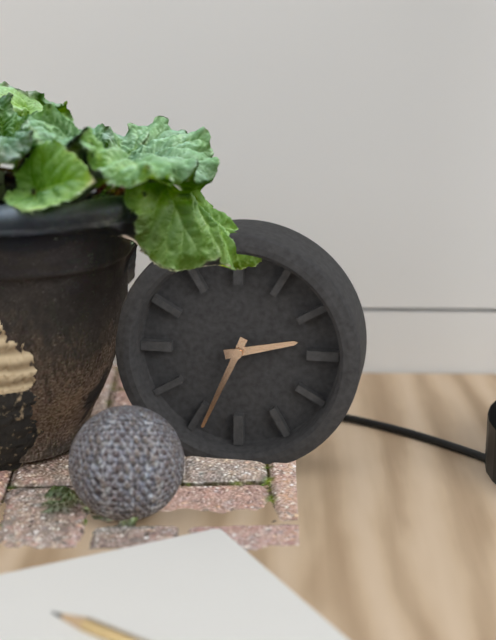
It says 2.34
